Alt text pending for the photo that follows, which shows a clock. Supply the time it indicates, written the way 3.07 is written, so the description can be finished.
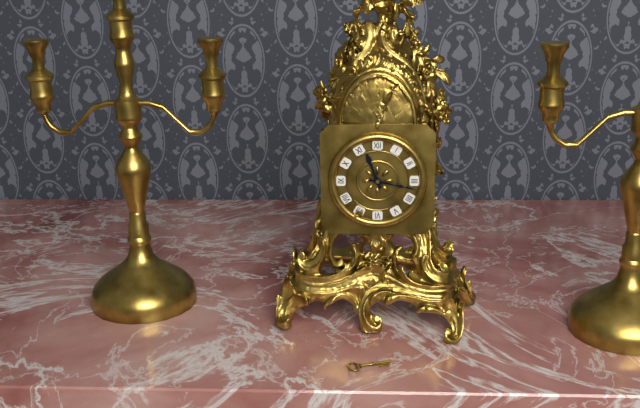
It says 11.17
